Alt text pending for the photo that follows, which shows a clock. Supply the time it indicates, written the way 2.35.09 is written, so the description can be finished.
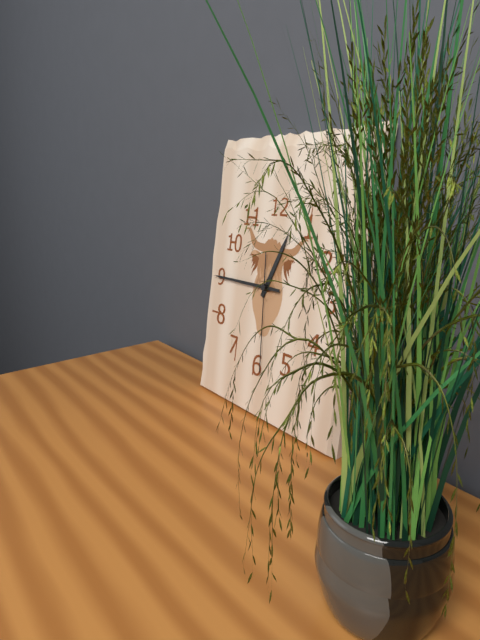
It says 12.45.29
